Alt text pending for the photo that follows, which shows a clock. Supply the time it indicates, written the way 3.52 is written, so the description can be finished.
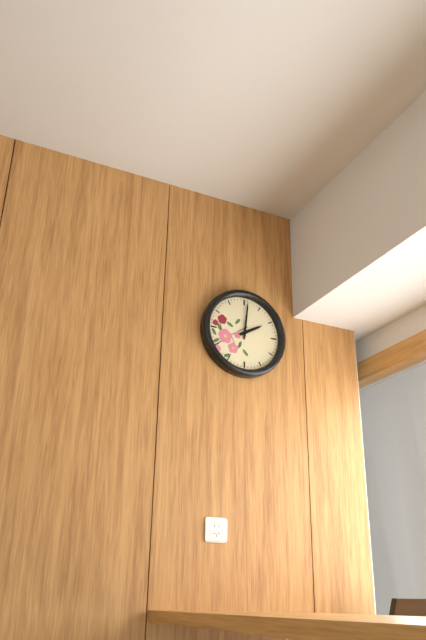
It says 2.01
